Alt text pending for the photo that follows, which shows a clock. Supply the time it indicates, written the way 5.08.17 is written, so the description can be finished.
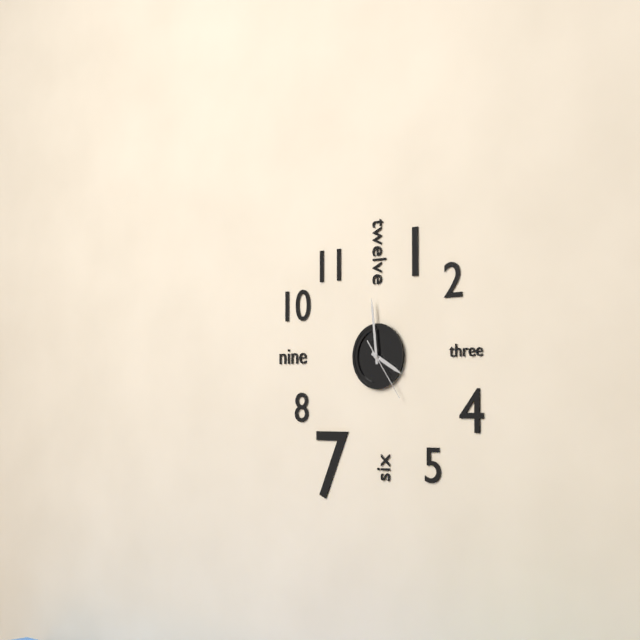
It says 3.59.24
